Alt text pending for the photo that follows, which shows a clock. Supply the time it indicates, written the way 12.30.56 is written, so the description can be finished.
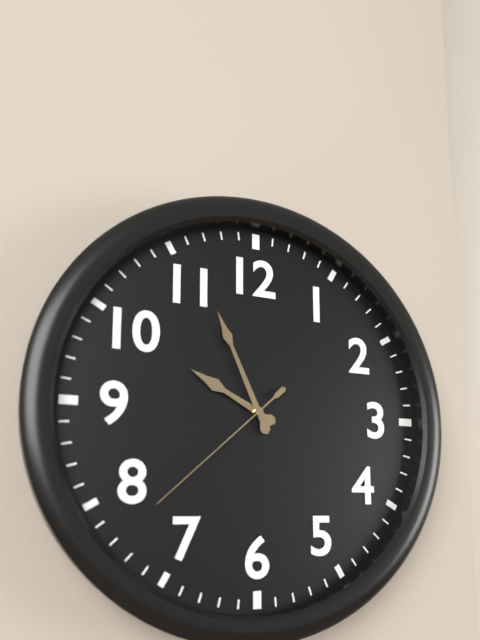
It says 9.56.38
